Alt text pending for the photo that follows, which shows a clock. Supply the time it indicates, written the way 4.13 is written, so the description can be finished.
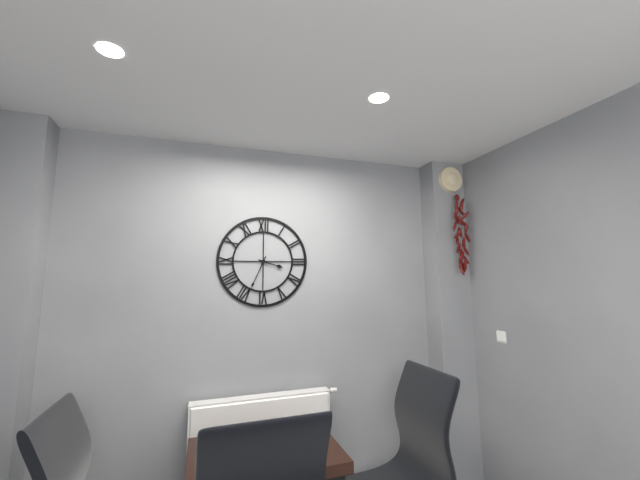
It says 3.34
